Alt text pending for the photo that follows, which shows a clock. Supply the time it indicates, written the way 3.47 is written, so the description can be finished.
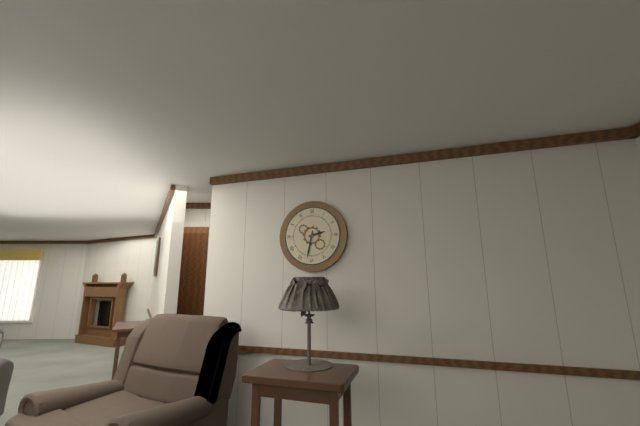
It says 2.32
